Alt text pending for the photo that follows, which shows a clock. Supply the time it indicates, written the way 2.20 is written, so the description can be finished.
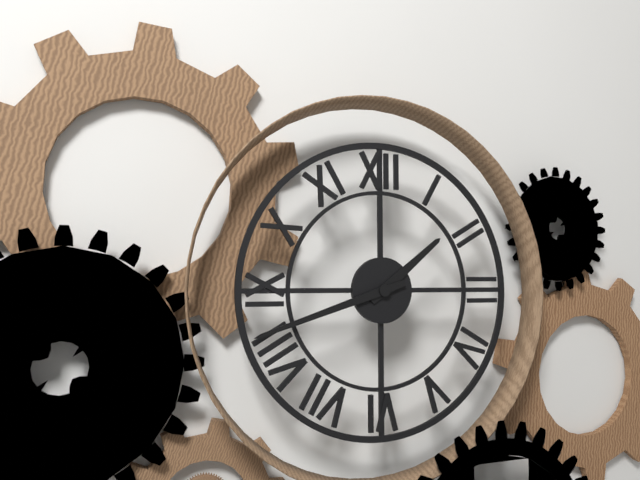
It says 1.42
